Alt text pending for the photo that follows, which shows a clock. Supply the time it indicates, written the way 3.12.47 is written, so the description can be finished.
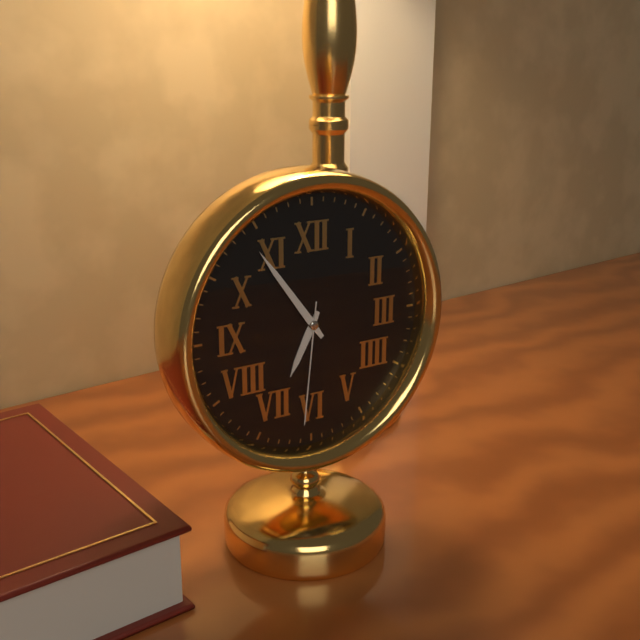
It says 6.54.31
